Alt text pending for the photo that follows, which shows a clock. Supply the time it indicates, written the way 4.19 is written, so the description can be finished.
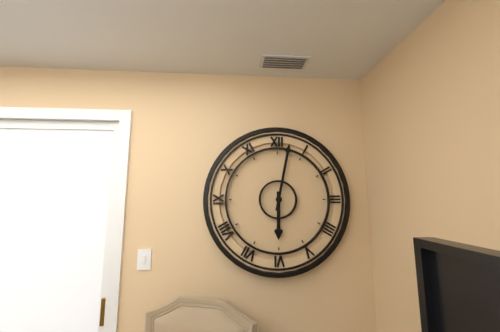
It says 6.02
